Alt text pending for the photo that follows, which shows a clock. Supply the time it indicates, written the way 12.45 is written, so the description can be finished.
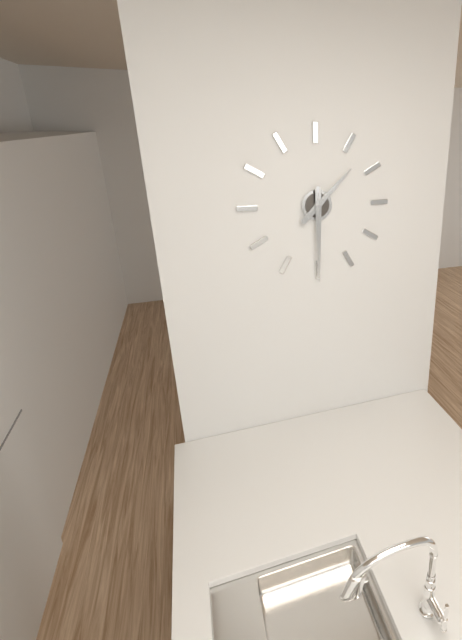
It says 1.30
